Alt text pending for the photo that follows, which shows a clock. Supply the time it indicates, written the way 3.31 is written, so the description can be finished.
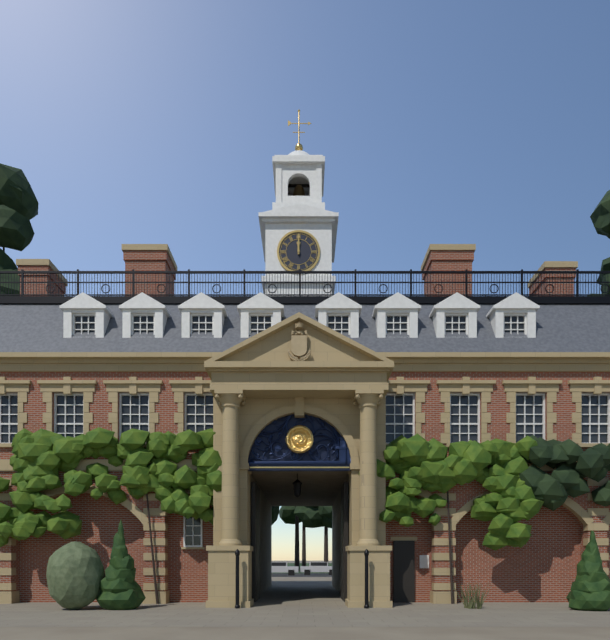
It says 12.00
